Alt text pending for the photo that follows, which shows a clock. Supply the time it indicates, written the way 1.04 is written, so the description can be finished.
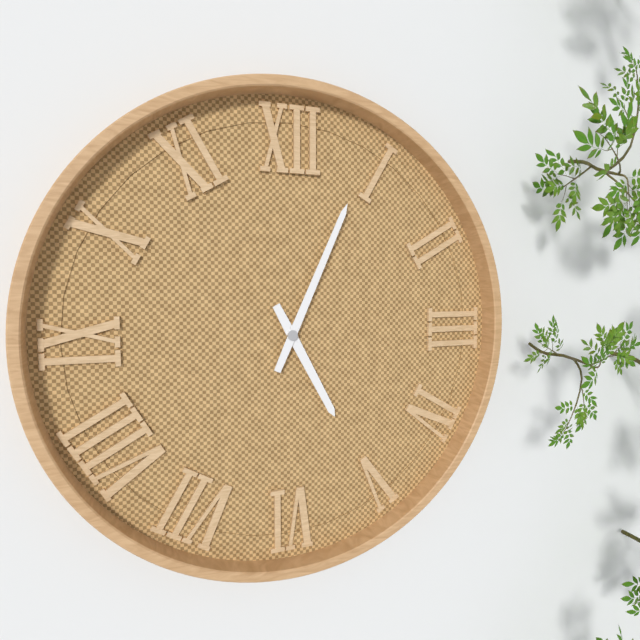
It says 5.04
